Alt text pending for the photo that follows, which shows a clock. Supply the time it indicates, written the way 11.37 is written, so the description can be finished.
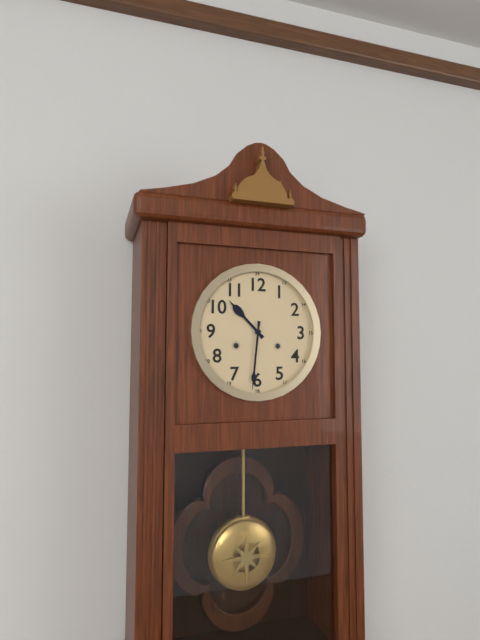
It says 10.31
